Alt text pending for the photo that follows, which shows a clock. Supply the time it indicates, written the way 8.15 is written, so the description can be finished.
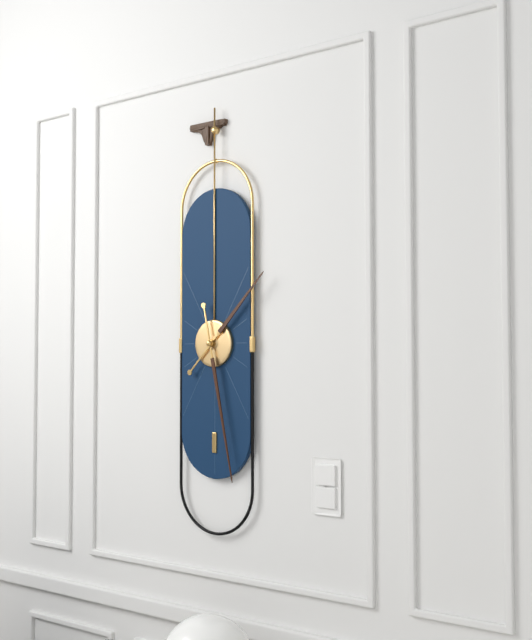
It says 1.28
